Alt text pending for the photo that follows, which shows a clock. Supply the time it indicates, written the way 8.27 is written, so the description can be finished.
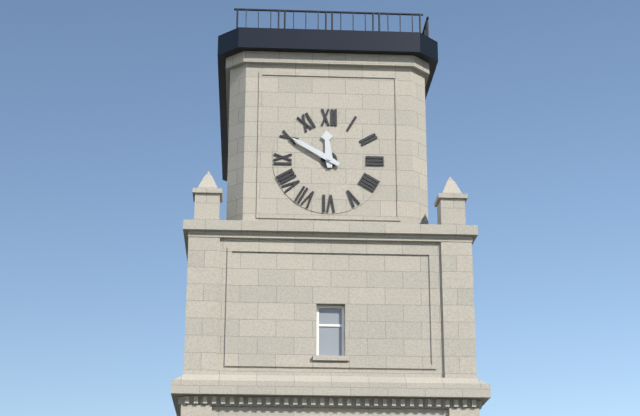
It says 11.50
